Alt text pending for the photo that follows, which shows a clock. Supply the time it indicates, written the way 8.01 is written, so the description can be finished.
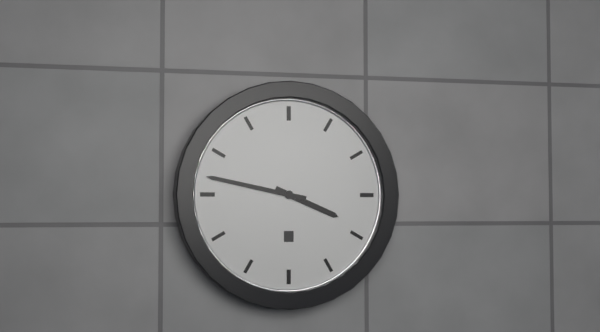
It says 3.47
